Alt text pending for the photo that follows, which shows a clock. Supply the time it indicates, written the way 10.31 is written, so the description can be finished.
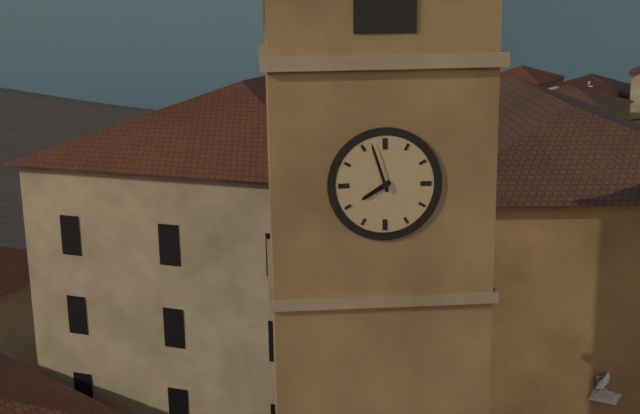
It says 7.57
